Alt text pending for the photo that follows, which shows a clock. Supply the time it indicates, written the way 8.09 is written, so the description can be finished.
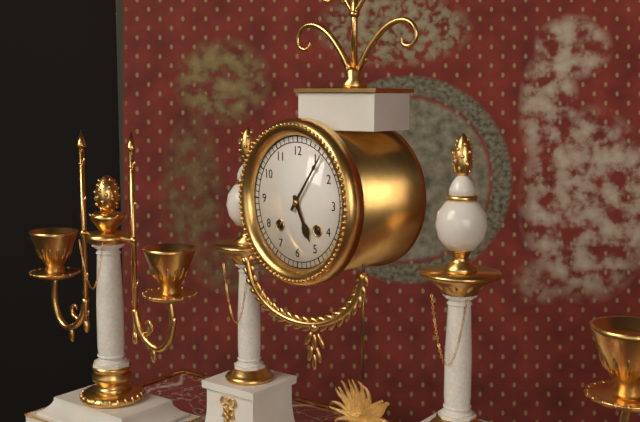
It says 5.06
